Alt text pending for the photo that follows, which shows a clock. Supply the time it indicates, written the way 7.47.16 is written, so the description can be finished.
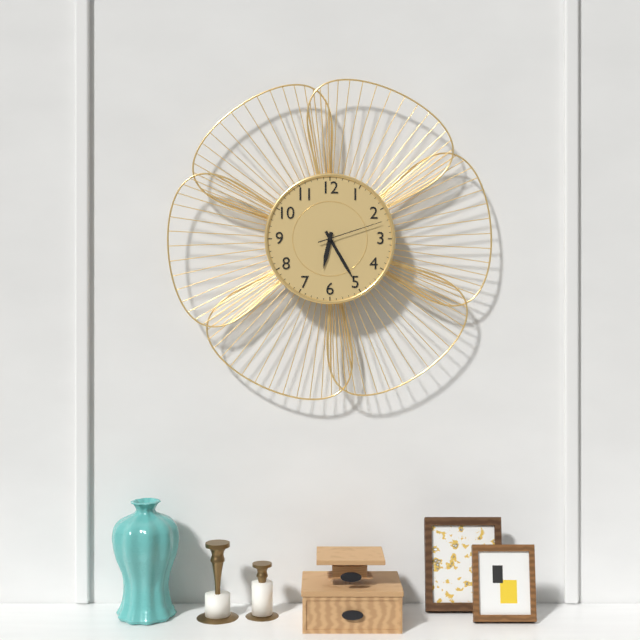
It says 6.25.12
